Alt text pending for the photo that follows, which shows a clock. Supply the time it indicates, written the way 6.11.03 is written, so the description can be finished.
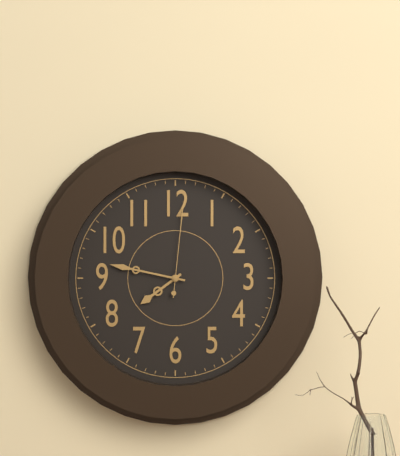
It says 7.47.01
